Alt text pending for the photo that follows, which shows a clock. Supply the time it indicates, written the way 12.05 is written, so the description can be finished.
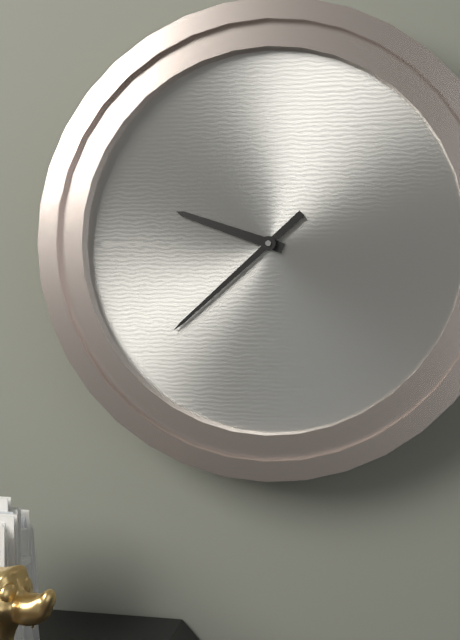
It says 9.38
